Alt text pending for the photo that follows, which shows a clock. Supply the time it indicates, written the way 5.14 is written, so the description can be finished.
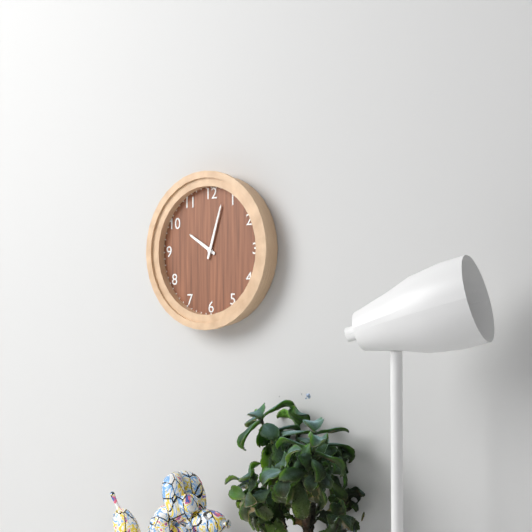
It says 10.03
